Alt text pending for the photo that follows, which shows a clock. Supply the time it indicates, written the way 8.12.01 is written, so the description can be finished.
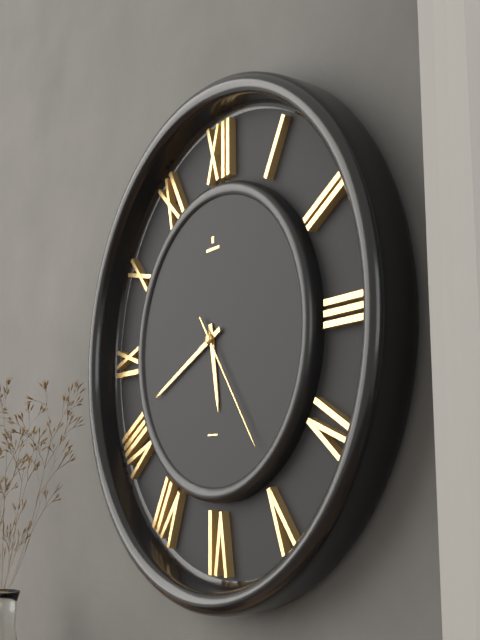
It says 5.41.24
